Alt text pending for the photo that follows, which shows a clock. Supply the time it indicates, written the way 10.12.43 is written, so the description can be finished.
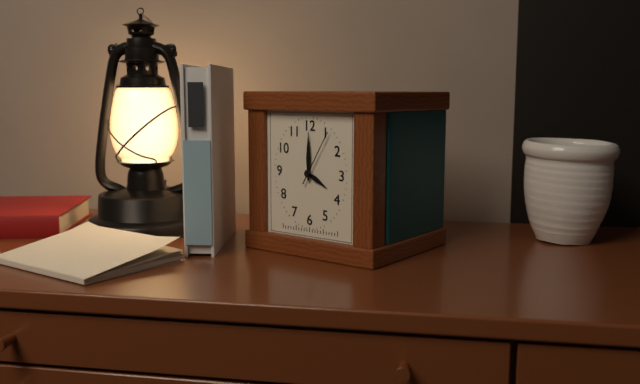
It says 4.00.05
